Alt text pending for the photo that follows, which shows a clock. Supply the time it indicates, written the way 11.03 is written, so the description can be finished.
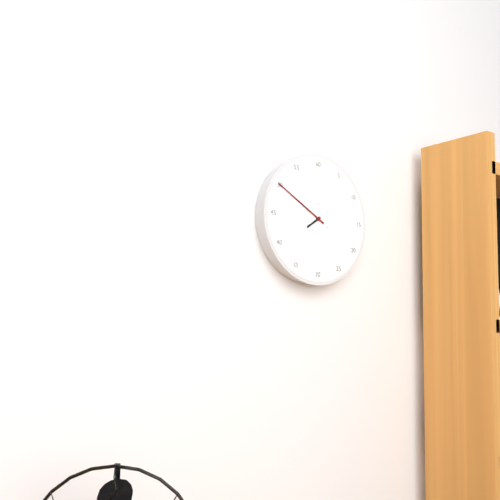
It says 7.50
